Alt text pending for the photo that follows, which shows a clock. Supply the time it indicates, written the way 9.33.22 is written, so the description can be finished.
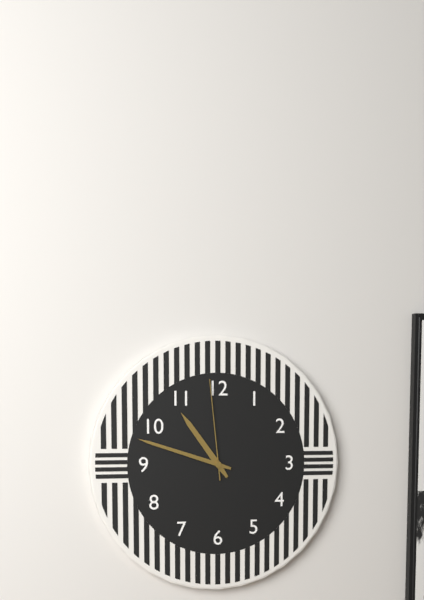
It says 10.48.59
